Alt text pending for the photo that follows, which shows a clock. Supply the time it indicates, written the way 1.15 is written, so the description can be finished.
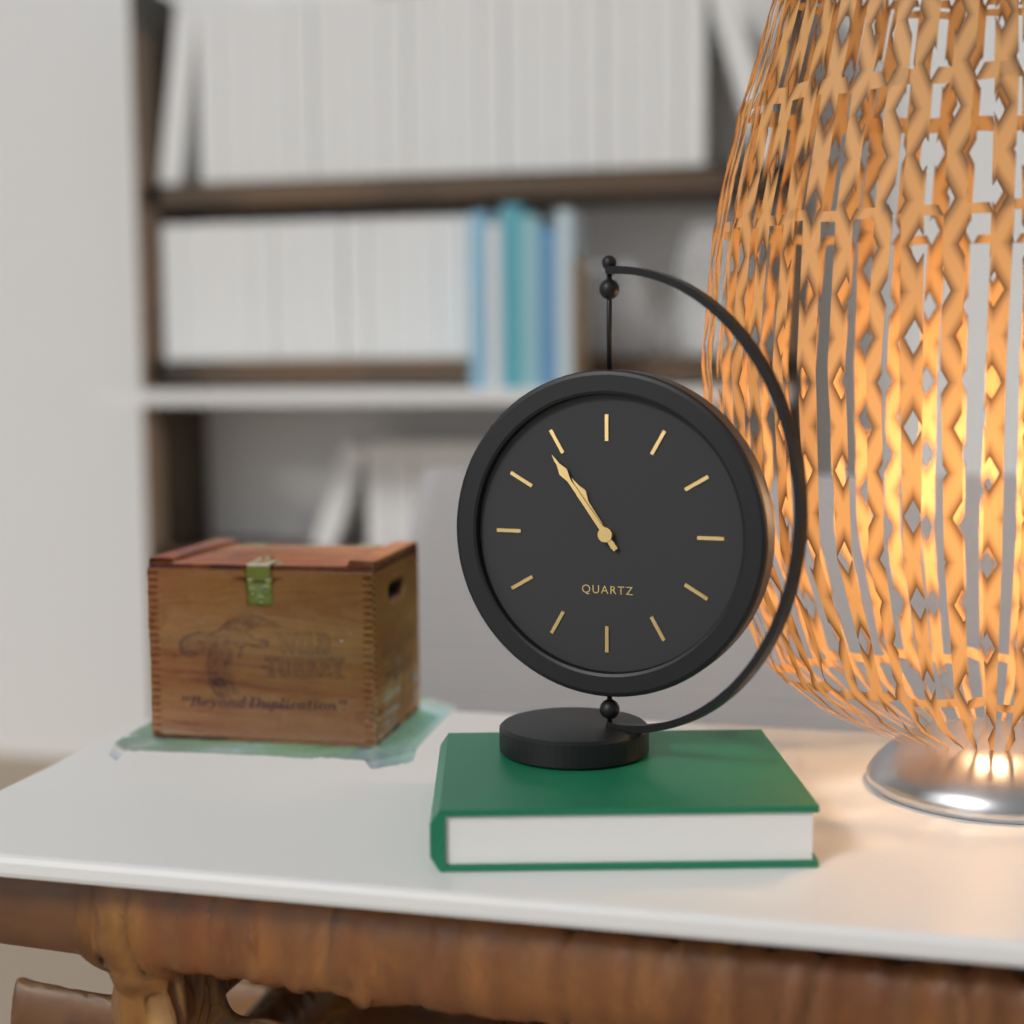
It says 10.54
